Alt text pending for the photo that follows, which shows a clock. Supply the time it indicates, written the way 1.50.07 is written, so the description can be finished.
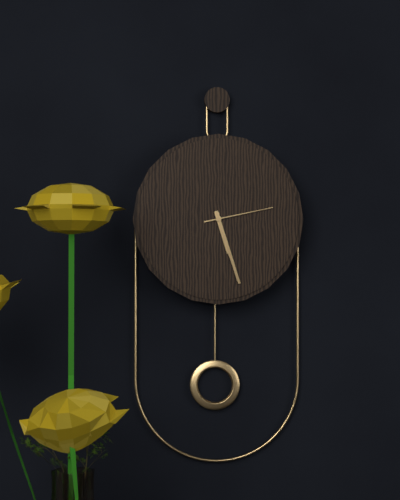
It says 5.27.13
